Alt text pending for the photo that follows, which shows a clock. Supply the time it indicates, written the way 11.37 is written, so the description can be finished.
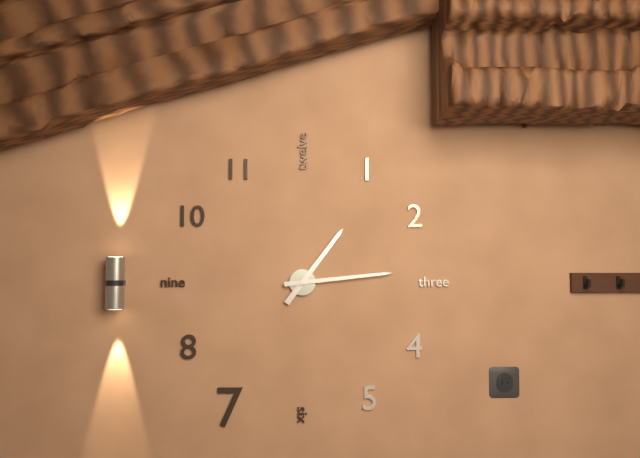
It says 1.14
